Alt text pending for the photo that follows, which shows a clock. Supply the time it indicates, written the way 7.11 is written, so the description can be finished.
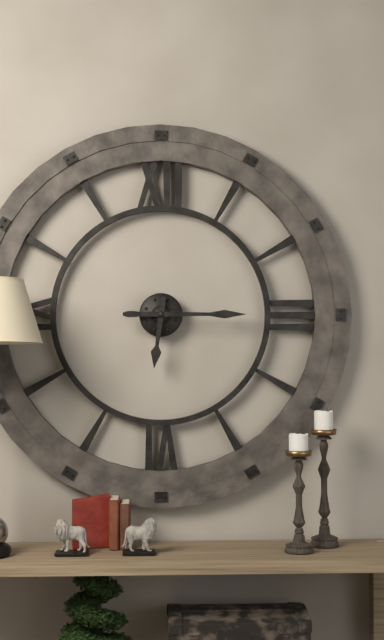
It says 6.15
